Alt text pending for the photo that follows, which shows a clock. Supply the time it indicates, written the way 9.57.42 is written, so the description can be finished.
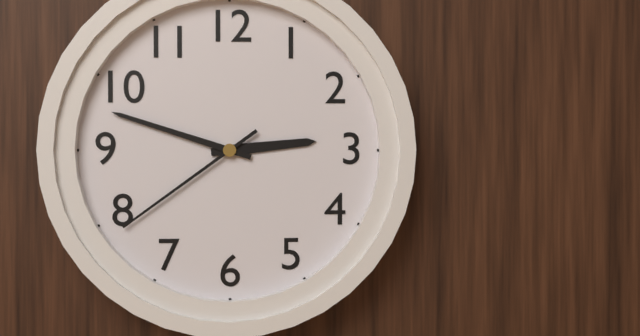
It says 2.48.39
